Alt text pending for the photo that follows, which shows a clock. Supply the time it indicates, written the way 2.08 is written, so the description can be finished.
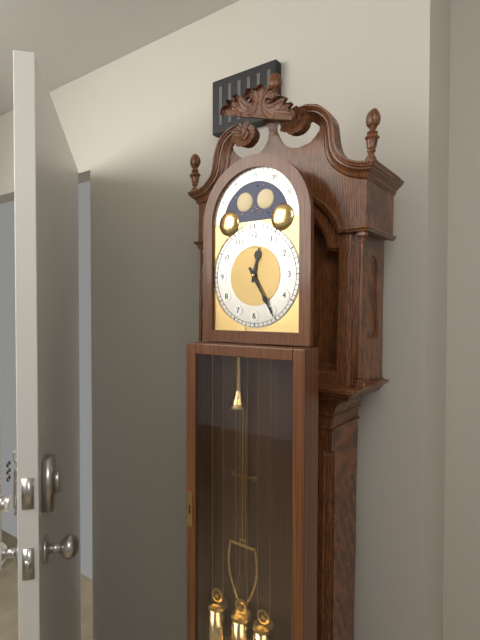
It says 12.25
